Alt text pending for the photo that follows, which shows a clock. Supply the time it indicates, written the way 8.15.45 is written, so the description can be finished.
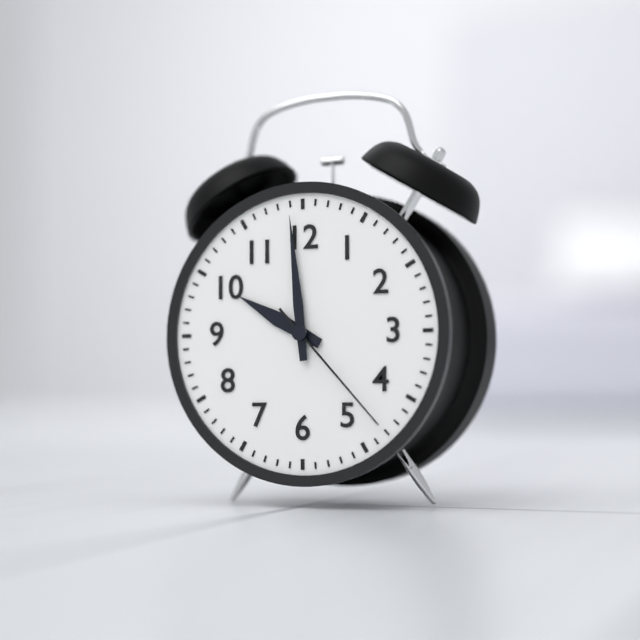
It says 9.59.23
